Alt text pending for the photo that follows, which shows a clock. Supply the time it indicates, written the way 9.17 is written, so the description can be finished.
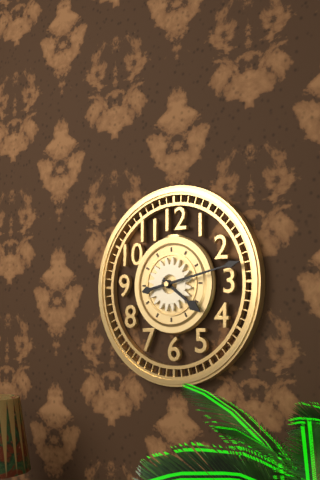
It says 4.13
